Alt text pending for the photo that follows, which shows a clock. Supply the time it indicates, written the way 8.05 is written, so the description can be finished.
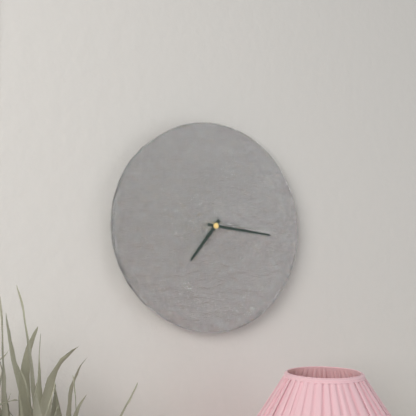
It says 7.16
